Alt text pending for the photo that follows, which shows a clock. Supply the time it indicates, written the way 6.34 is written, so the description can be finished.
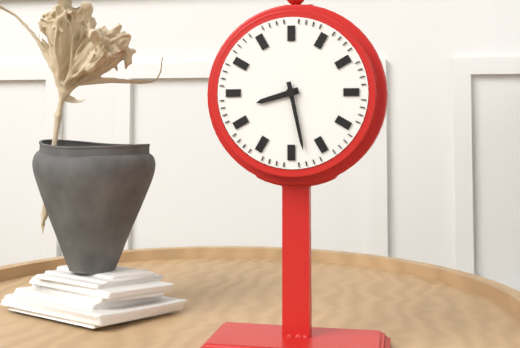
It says 8.28
